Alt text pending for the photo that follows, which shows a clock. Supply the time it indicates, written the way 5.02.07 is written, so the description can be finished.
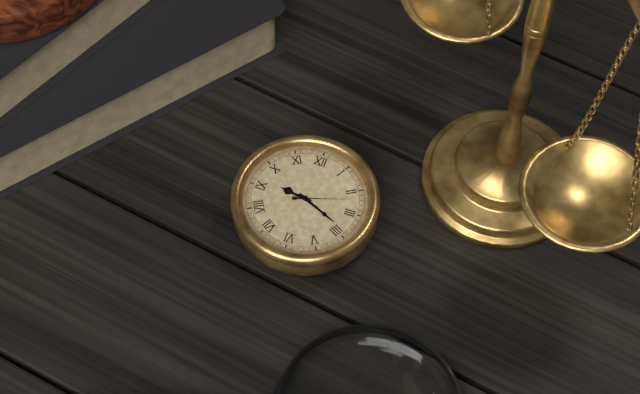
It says 9.19.12
